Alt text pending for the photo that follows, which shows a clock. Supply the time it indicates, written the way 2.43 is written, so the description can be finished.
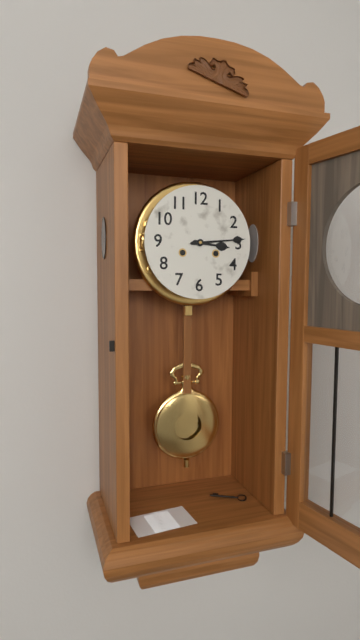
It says 3.14
